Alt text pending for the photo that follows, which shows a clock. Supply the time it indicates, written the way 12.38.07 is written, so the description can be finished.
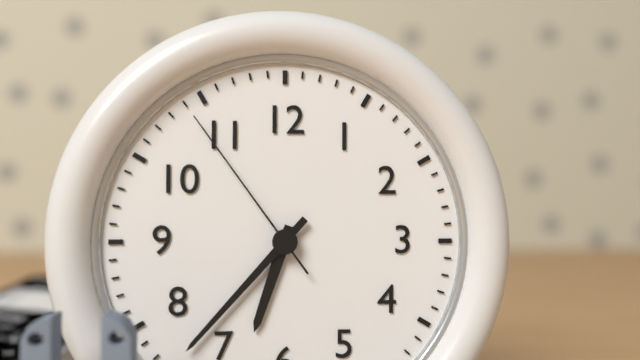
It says 6.37.54
